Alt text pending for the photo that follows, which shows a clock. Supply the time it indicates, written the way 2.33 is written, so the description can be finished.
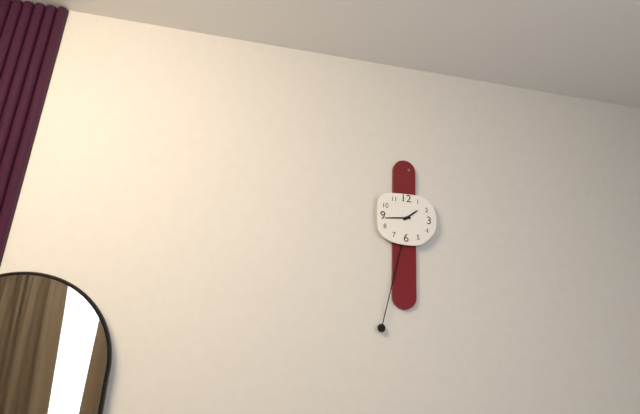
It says 1.44
